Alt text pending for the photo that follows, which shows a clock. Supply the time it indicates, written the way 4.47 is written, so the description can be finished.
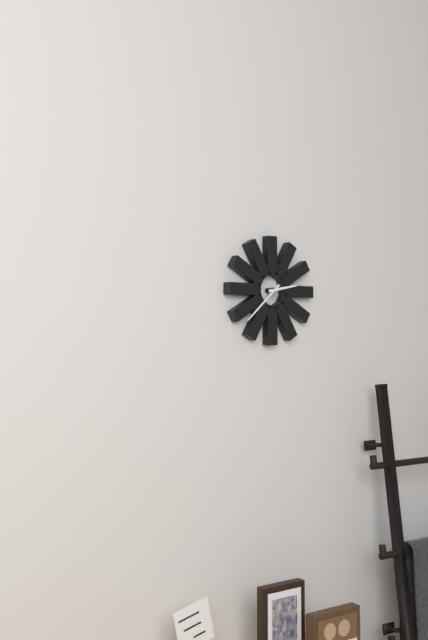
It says 2.38
